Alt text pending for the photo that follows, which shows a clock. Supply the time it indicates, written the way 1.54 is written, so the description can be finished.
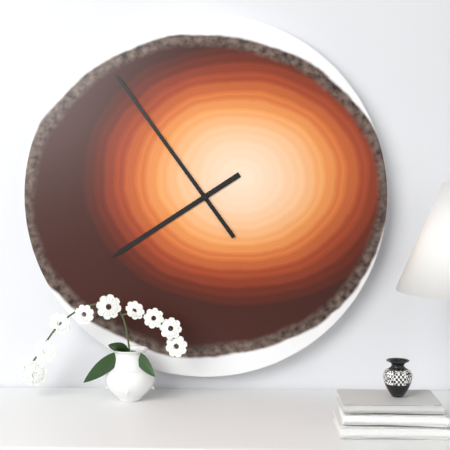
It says 7.54
